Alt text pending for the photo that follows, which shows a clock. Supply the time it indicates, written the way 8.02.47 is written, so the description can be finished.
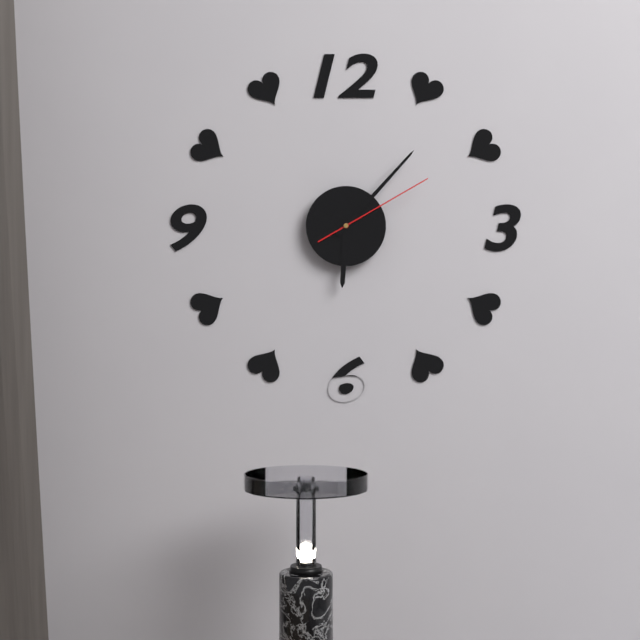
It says 6.07.10
